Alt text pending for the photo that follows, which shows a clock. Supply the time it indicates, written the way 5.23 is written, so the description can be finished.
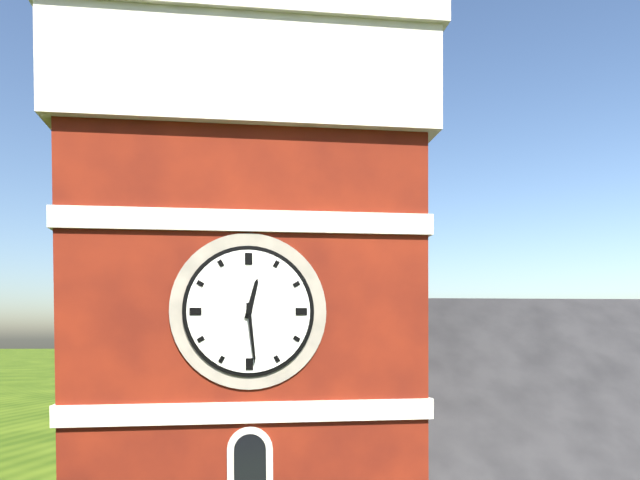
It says 12.29
